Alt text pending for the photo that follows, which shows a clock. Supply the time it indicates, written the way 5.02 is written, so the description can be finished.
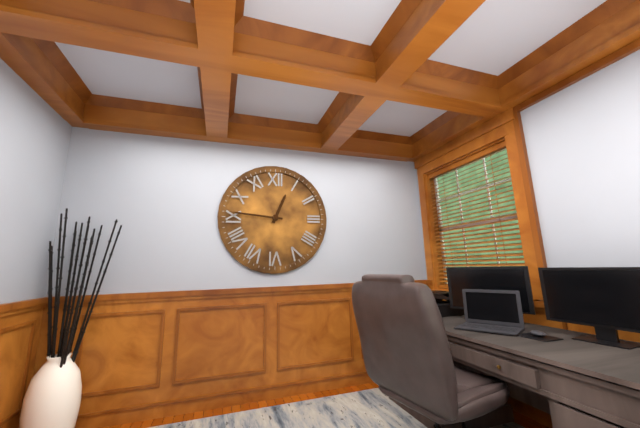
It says 12.46
